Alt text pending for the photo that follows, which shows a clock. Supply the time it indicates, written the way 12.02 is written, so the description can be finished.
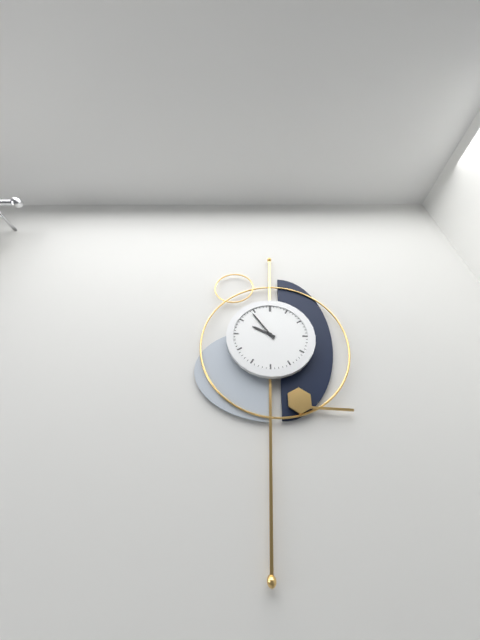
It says 9.54
